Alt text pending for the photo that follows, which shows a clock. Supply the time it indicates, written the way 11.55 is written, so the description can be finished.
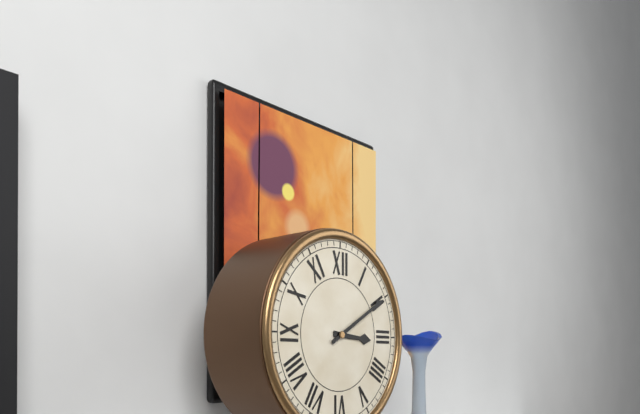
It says 3.10
